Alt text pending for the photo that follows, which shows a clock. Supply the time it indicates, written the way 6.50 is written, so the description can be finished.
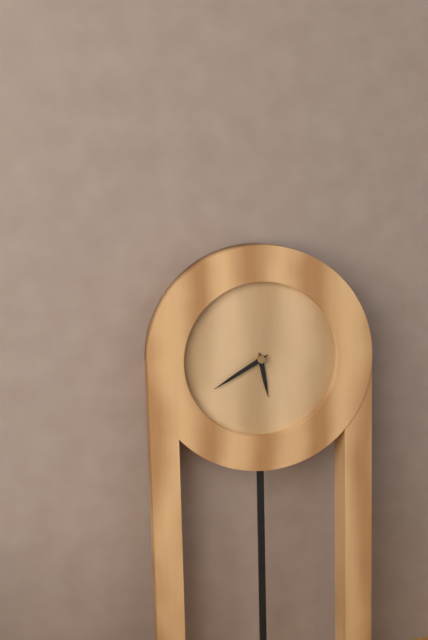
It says 5.40
